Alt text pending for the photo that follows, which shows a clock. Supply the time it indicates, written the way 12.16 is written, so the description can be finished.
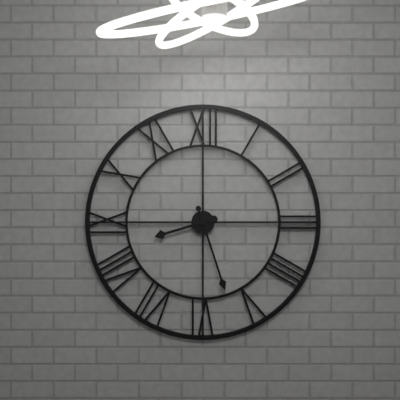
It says 8.27
